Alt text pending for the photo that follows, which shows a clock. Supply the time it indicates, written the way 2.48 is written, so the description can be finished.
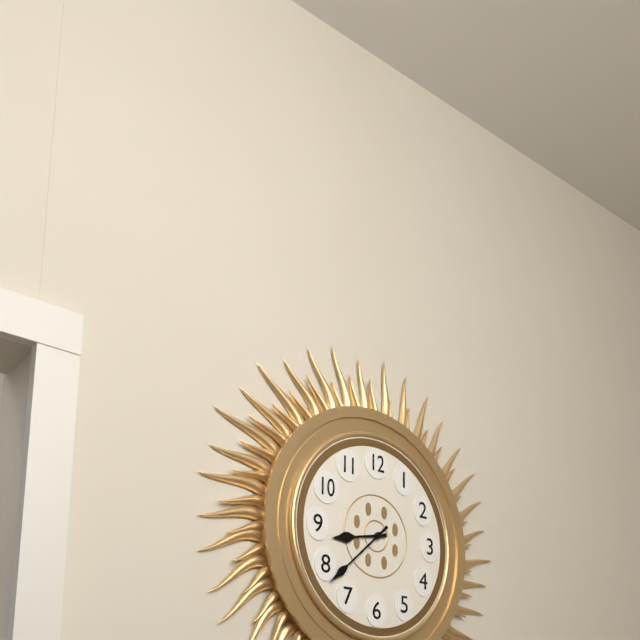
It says 8.38
